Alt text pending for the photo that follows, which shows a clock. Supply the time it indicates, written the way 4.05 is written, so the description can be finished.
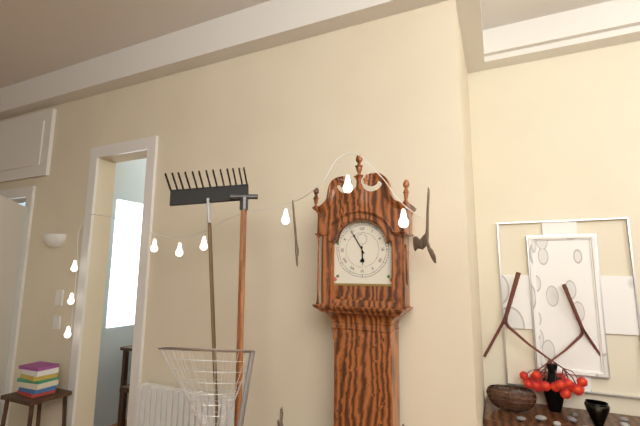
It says 5.55
